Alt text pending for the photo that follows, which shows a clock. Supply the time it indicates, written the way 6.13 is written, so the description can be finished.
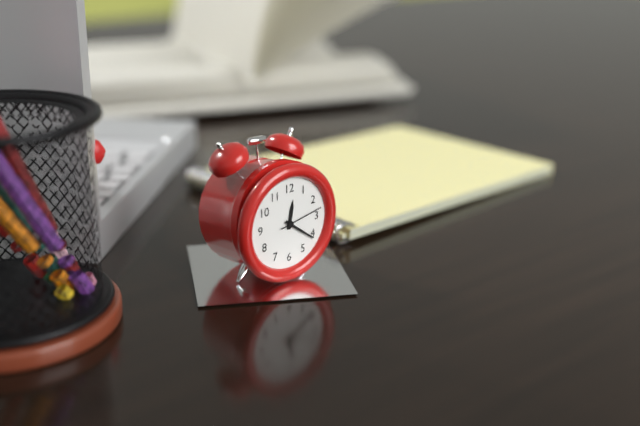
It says 12.21
